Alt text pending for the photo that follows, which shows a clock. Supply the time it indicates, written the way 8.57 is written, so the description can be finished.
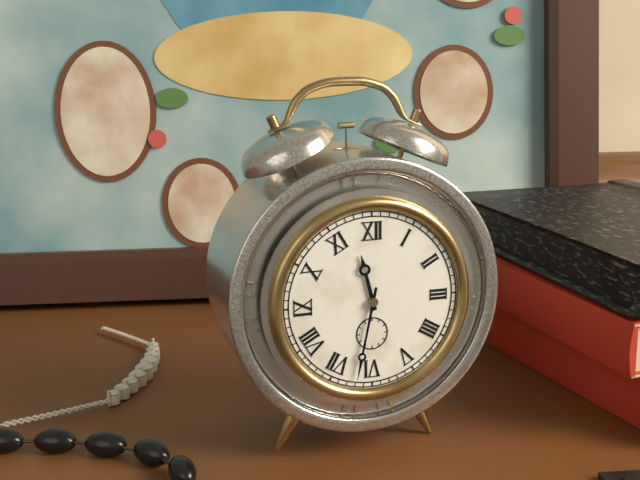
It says 11.32
